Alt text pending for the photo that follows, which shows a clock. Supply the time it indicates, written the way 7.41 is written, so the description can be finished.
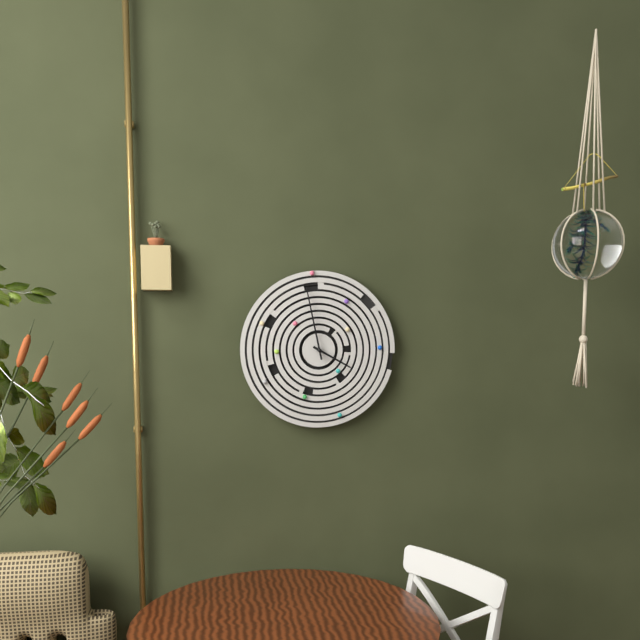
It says 3.58
